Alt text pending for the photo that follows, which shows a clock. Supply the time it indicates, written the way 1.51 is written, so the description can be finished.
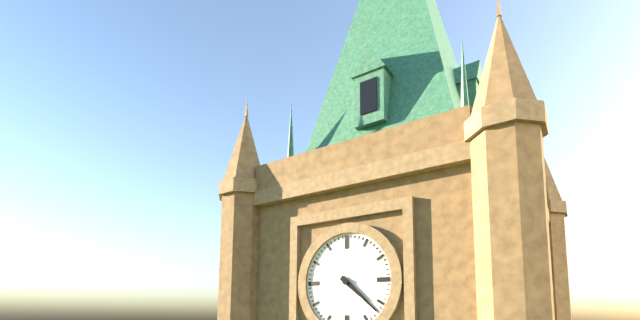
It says 4.22
